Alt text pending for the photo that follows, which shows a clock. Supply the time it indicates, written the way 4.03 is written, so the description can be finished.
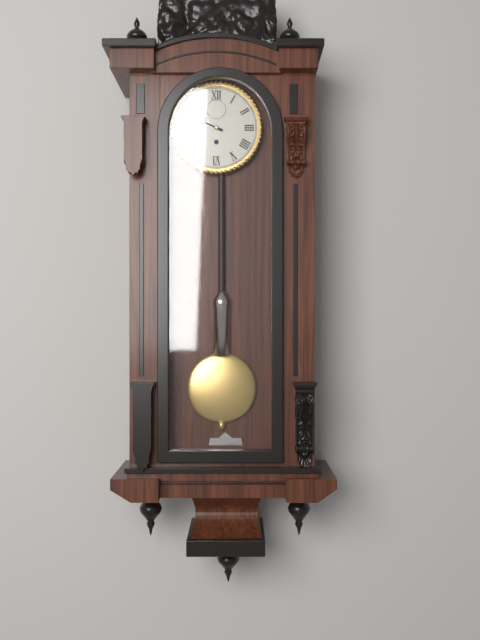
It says 9.49
